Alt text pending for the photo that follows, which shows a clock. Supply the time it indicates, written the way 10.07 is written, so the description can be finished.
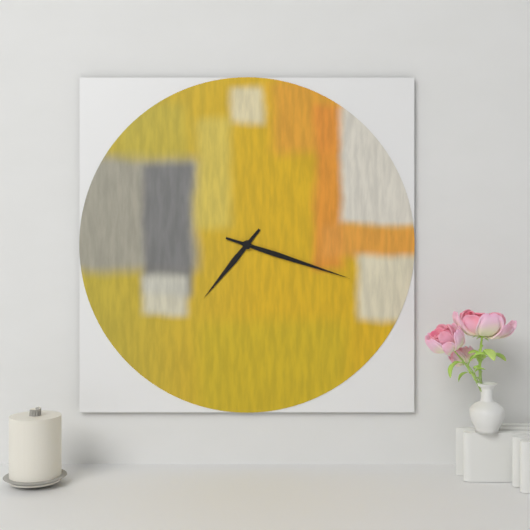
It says 7.18
